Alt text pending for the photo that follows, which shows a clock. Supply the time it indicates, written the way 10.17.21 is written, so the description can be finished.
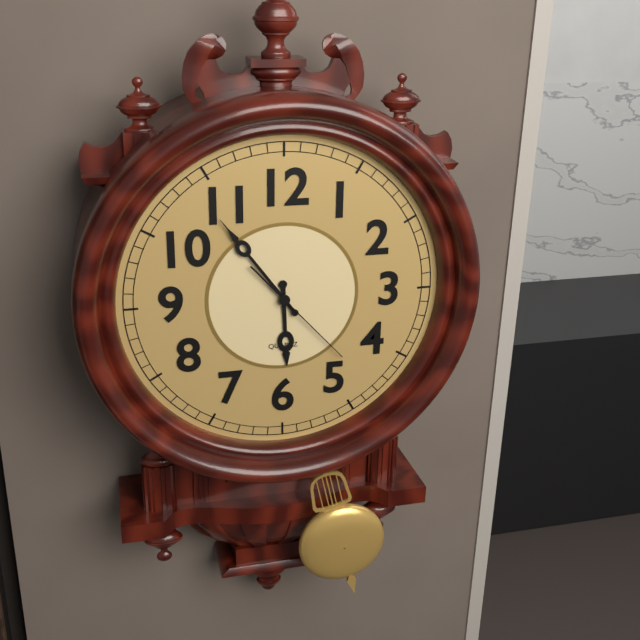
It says 5.54.23
